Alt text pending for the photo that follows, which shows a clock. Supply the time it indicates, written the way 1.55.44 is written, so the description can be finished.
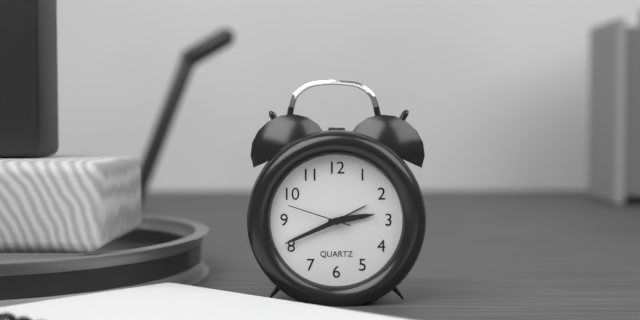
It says 2.41.48
